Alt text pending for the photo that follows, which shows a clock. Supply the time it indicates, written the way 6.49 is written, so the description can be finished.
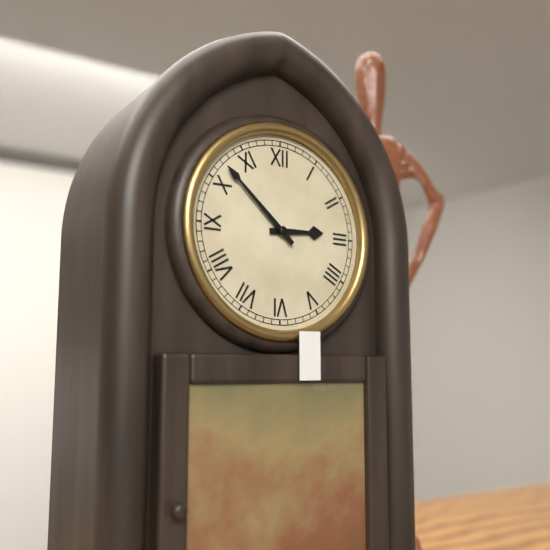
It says 2.52
